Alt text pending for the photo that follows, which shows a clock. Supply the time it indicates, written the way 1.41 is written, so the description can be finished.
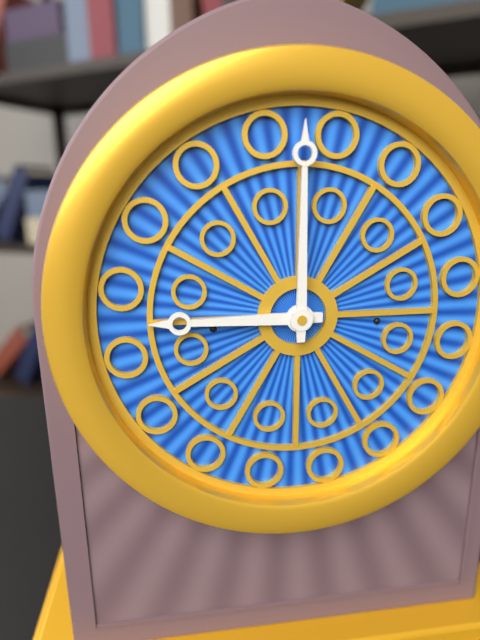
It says 9.00
